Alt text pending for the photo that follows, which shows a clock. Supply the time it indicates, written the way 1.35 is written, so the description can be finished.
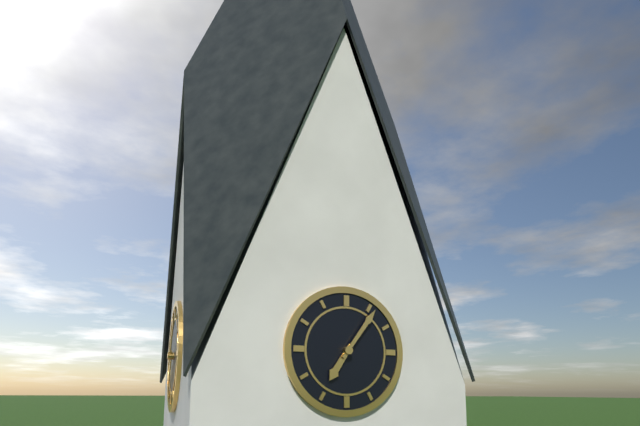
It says 7.06
